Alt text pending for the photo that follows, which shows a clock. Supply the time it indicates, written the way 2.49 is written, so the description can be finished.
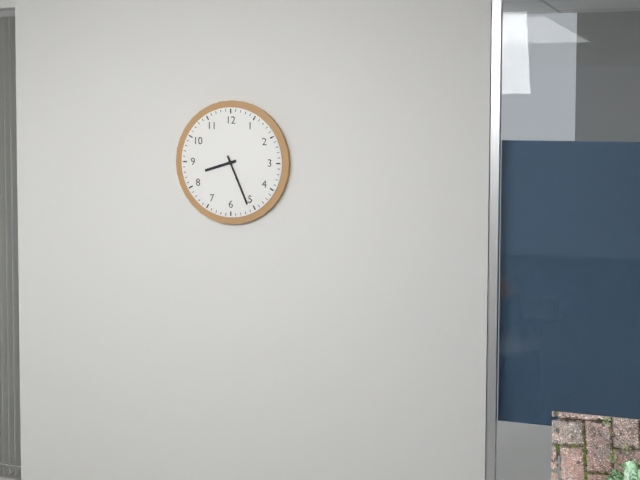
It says 8.26
